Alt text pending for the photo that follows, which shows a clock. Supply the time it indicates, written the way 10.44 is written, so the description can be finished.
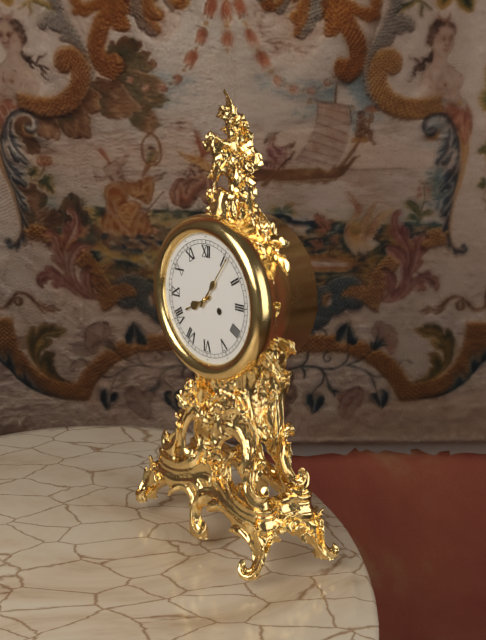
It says 8.06
